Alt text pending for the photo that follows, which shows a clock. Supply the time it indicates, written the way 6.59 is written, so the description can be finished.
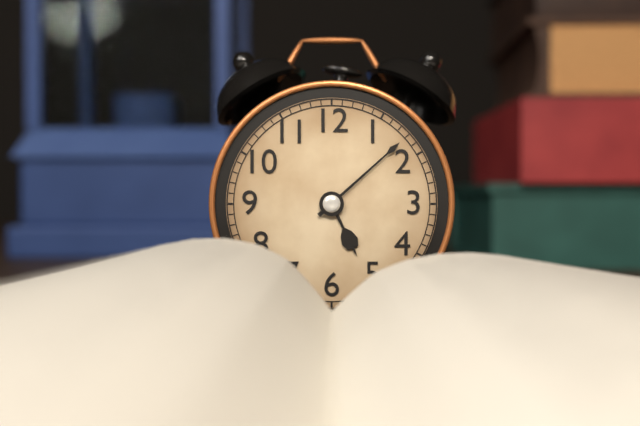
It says 5.08
